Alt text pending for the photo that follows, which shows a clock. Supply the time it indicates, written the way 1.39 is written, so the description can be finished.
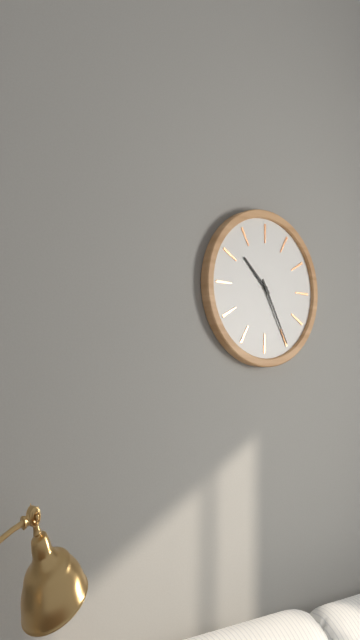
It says 10.25
